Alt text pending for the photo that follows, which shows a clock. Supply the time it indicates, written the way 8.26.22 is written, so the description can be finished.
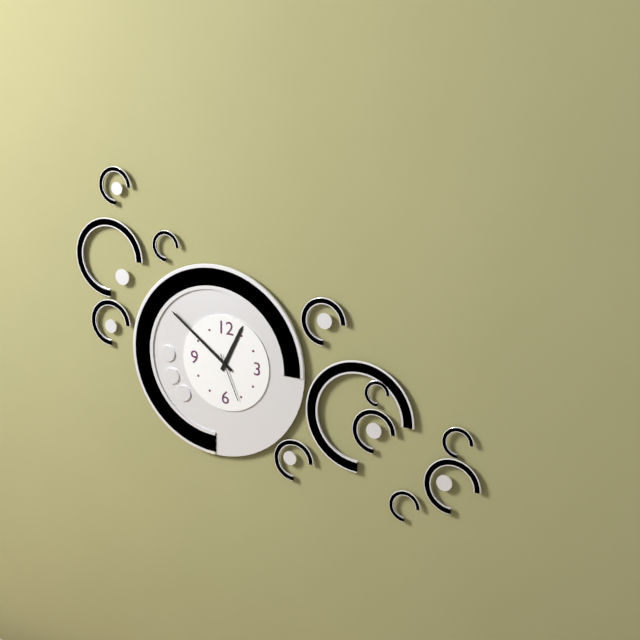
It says 12.51.26
